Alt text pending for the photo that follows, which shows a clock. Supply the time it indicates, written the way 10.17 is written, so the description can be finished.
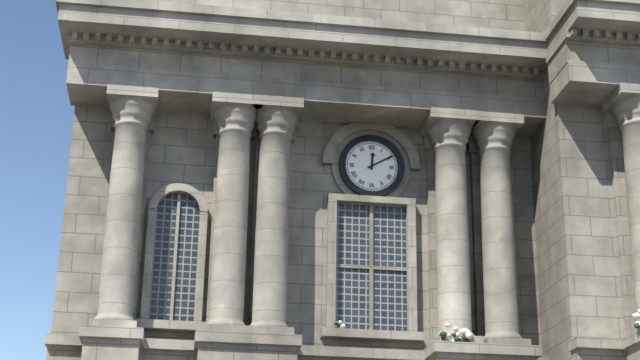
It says 12.10
